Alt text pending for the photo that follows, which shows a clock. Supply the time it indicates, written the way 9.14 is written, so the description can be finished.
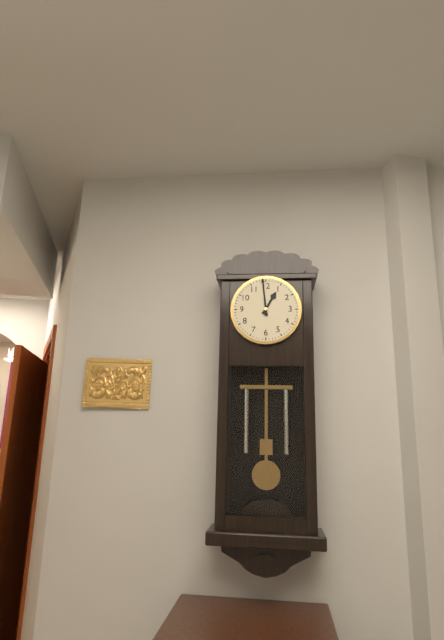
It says 12.59
